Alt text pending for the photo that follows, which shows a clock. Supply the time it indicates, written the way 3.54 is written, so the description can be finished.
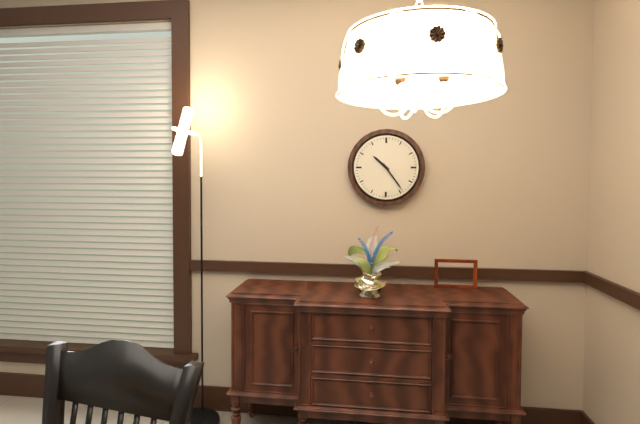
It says 10.24
